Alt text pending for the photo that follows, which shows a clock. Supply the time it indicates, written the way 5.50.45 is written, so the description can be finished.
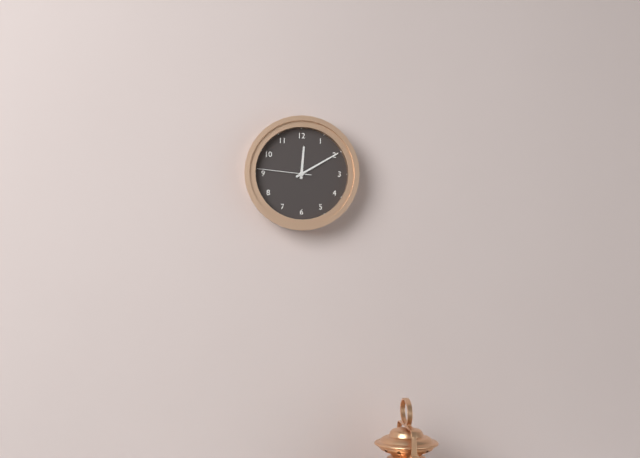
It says 12.10.46
